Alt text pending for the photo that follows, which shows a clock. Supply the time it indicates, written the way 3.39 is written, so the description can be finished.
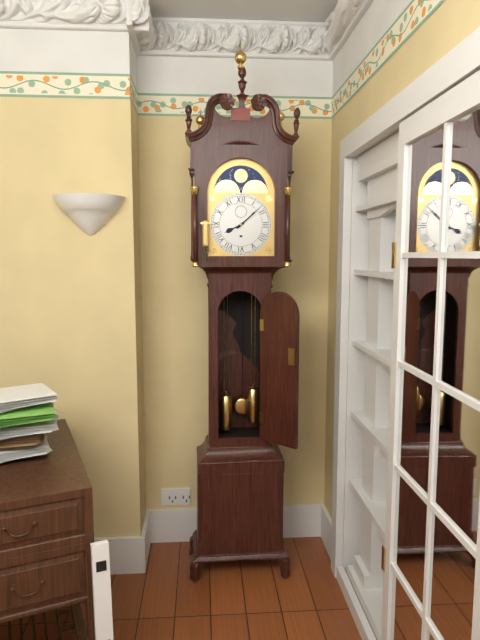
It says 8.08
